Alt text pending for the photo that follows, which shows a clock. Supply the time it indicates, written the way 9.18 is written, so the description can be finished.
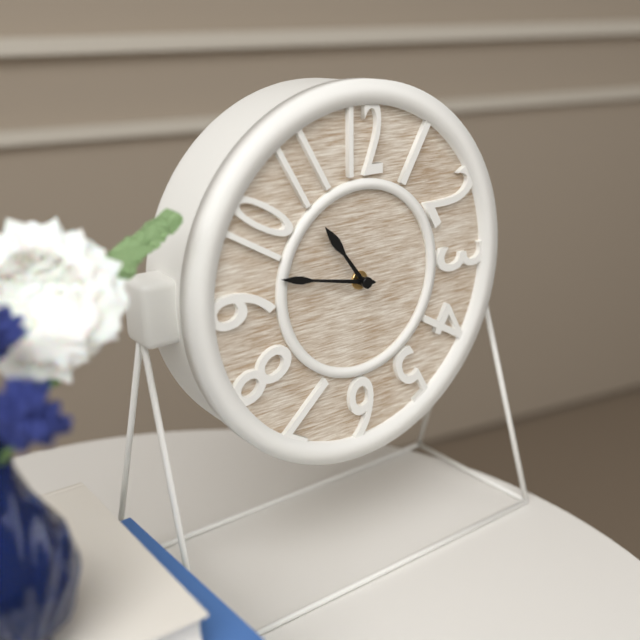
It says 10.47
